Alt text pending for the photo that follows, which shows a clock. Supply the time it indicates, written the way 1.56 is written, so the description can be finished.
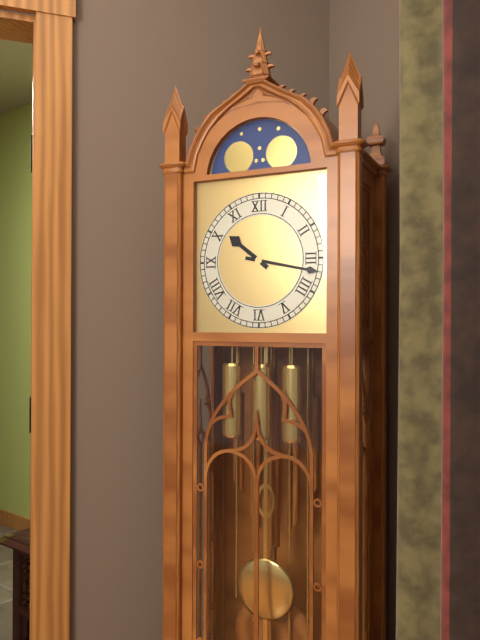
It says 10.17
